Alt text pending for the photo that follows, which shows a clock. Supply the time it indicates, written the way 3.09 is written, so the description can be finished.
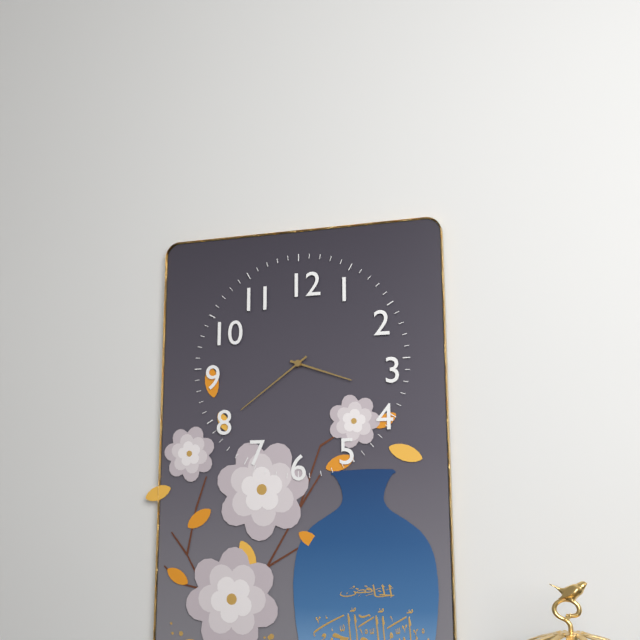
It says 3.39
